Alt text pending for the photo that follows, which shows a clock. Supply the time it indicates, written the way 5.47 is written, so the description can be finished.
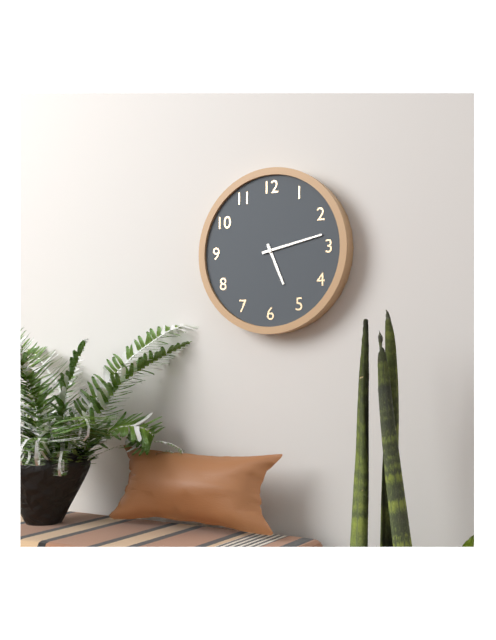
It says 5.13
